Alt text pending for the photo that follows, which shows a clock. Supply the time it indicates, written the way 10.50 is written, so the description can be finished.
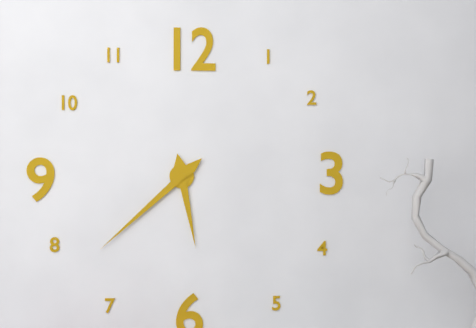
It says 5.38
